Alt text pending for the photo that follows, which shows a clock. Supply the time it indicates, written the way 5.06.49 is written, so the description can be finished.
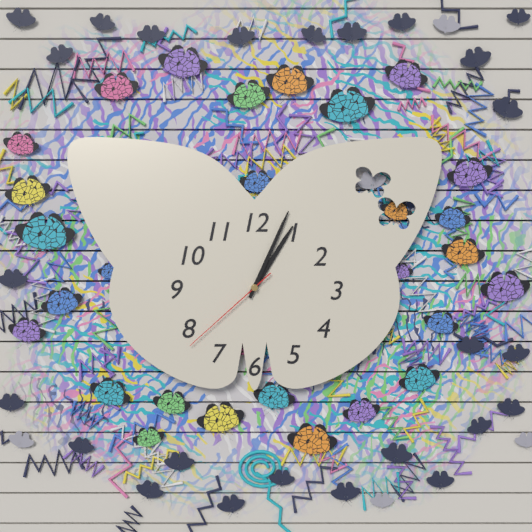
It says 1.04.38
